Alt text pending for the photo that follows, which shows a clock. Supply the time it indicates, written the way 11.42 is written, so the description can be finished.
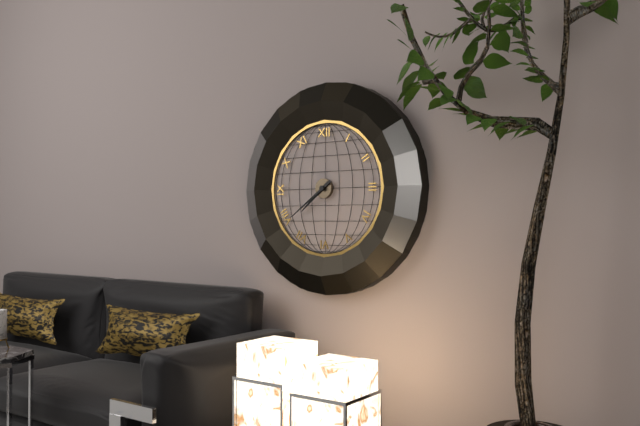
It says 7.39
